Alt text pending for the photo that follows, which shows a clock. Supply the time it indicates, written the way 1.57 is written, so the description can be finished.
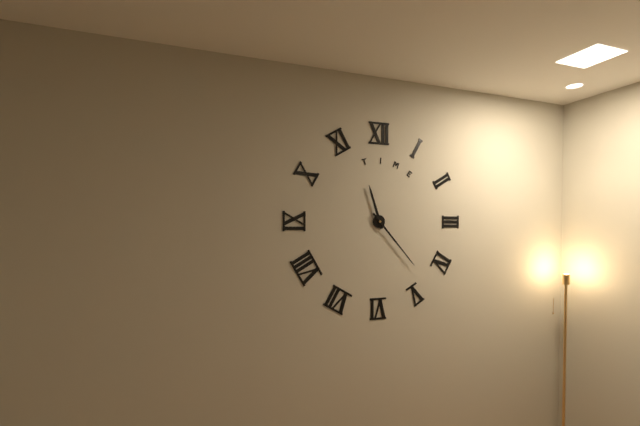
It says 11.23
